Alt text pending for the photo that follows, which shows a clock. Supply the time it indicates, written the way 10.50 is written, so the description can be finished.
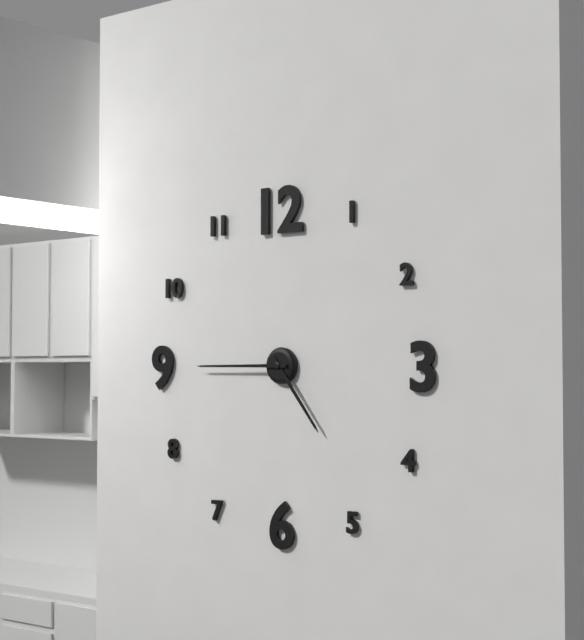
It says 4.45
